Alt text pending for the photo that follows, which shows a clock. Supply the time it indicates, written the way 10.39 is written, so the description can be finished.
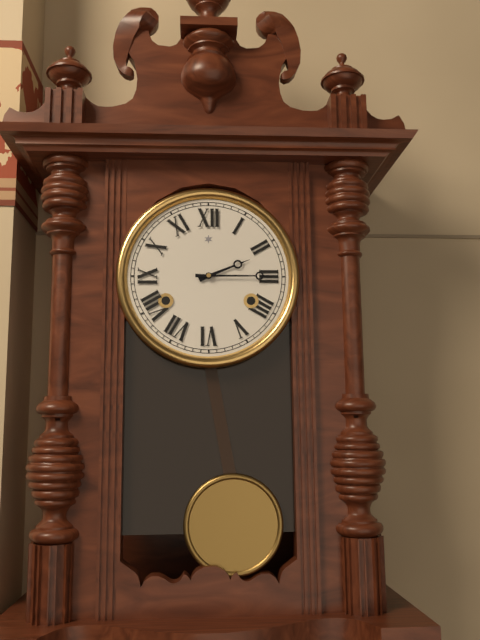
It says 2.15
